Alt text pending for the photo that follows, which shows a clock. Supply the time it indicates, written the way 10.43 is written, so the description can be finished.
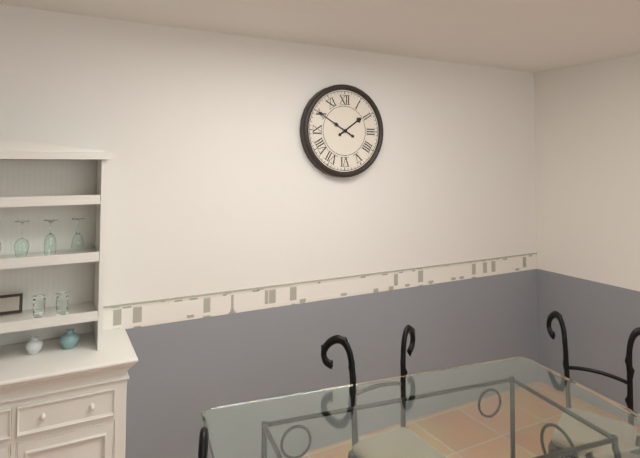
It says 1.50
